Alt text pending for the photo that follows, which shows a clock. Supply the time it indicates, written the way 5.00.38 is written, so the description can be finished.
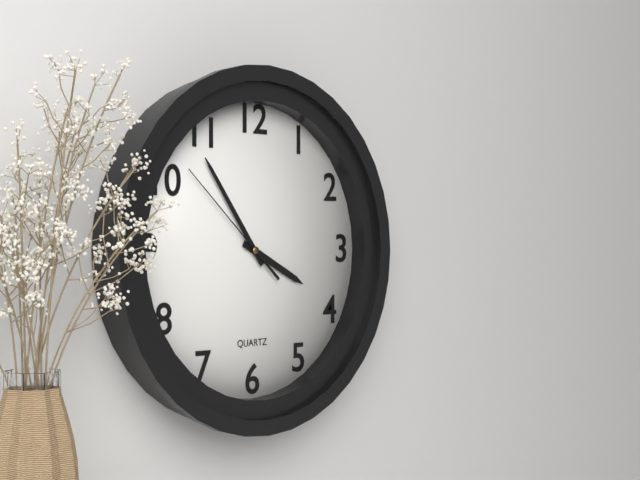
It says 3.54.52
